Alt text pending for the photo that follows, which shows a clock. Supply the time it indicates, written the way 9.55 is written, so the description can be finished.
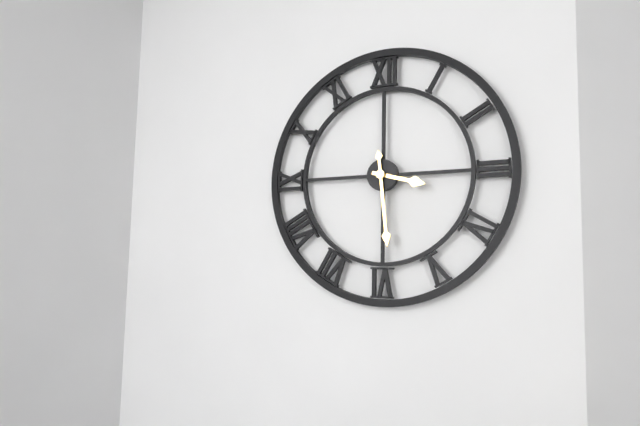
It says 3.29
